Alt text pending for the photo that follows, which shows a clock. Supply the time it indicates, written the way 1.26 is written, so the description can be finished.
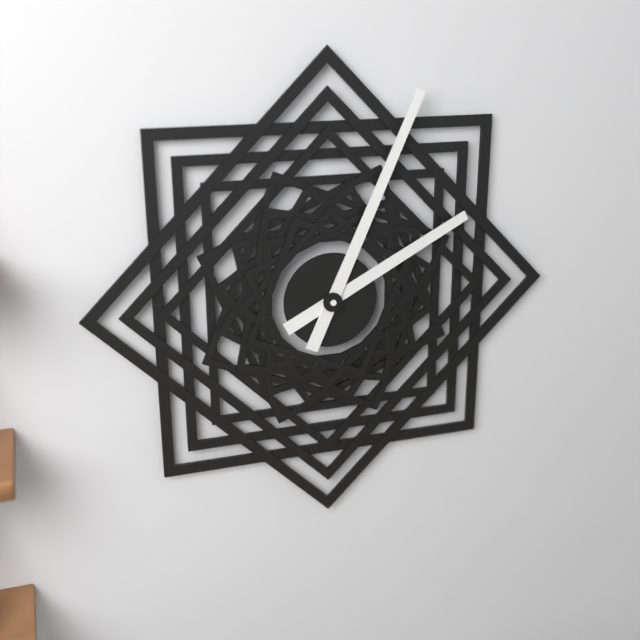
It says 2.04
